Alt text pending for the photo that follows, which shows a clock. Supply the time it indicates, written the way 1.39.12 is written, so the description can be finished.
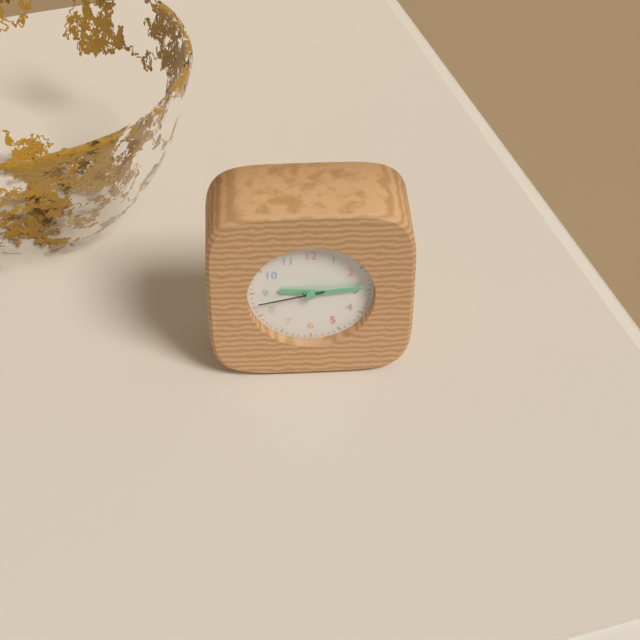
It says 9.14.43
